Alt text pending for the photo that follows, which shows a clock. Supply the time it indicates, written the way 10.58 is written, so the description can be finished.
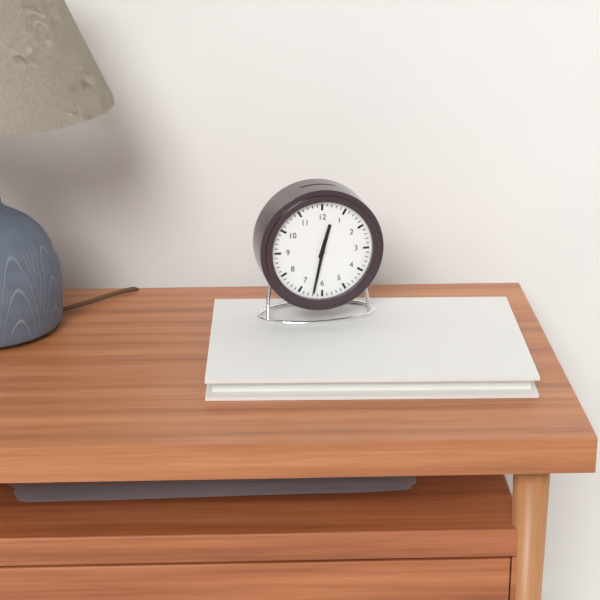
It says 12.32
